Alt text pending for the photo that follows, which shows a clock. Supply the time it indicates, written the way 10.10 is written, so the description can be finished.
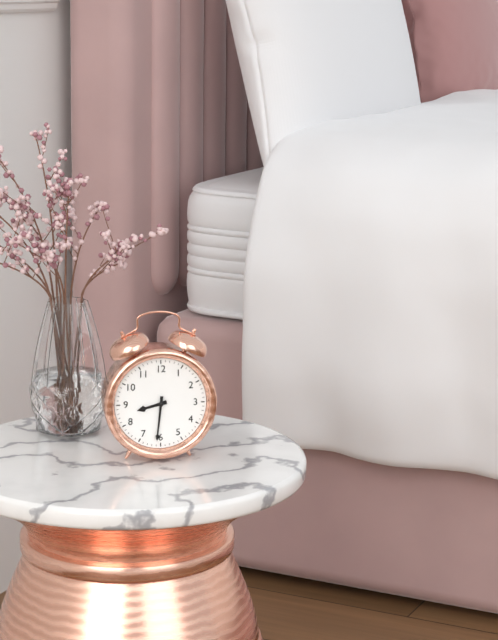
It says 8.31
